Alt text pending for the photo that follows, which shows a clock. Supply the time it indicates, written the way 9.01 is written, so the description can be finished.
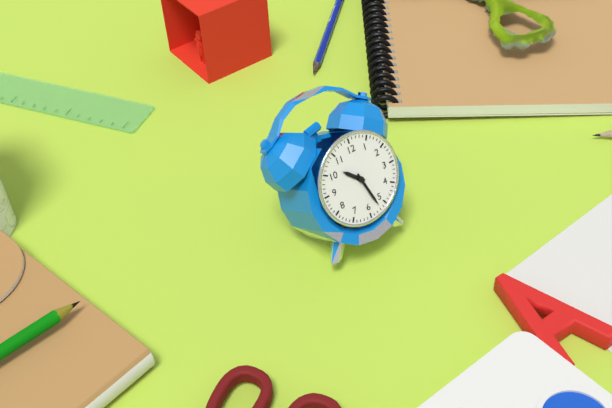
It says 10.27
